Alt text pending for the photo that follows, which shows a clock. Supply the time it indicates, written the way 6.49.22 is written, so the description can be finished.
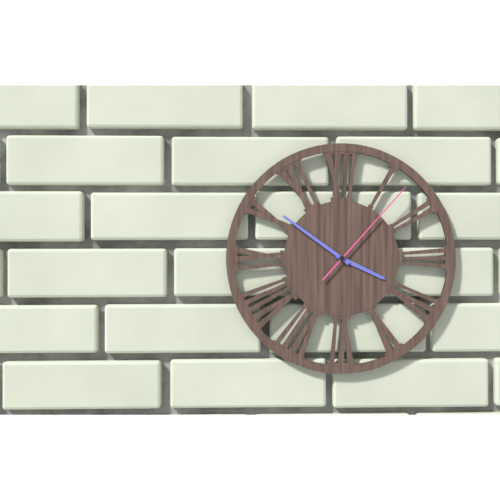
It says 3.51.07
